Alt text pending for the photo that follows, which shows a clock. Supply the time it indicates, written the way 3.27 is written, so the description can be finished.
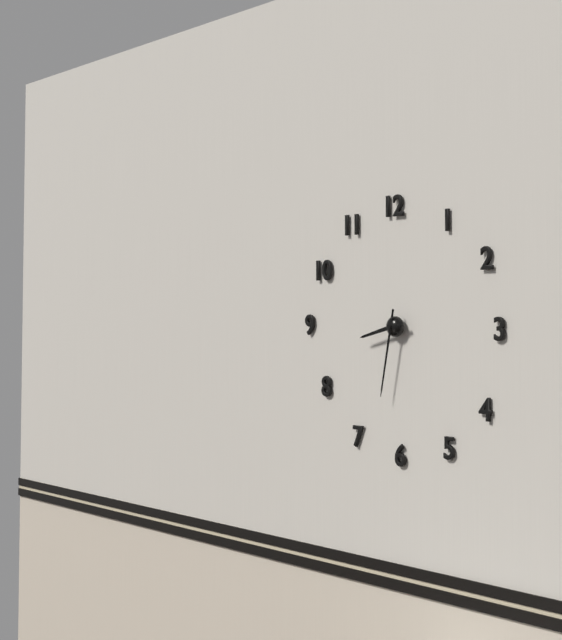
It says 8.32
